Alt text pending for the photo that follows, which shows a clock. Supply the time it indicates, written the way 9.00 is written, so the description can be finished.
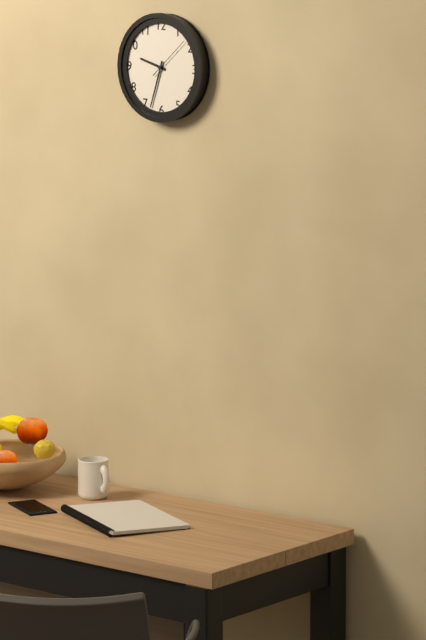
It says 9.33
